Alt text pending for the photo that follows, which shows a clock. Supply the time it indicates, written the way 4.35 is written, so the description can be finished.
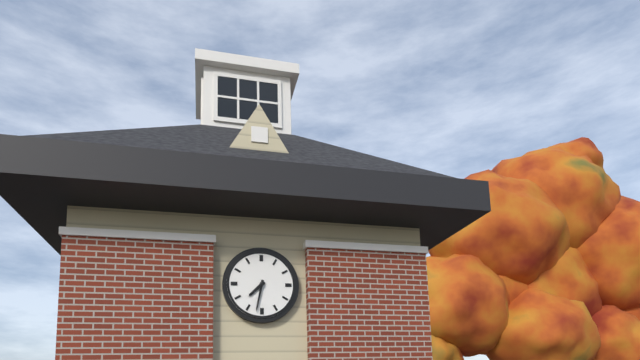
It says 7.32
